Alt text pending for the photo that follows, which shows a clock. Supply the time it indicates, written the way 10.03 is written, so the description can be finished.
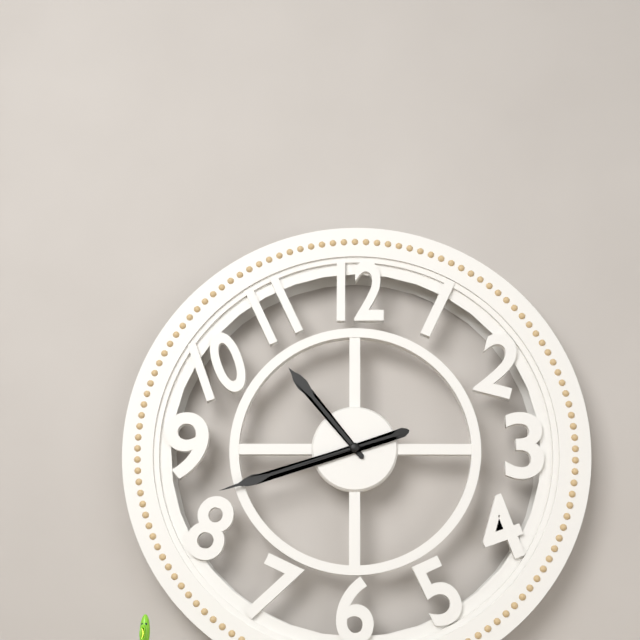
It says 10.42
